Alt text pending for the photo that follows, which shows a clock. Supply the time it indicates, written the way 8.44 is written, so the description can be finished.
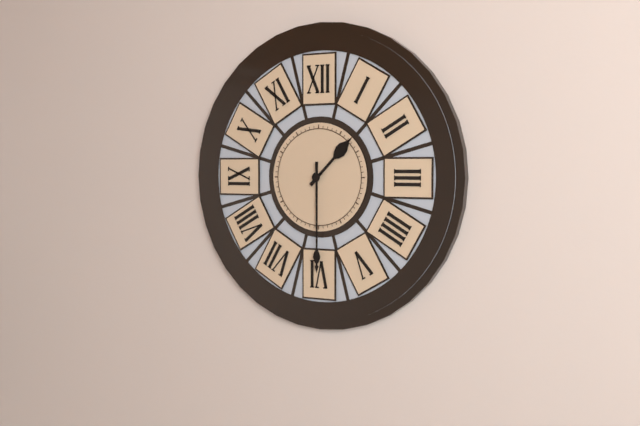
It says 1.30
